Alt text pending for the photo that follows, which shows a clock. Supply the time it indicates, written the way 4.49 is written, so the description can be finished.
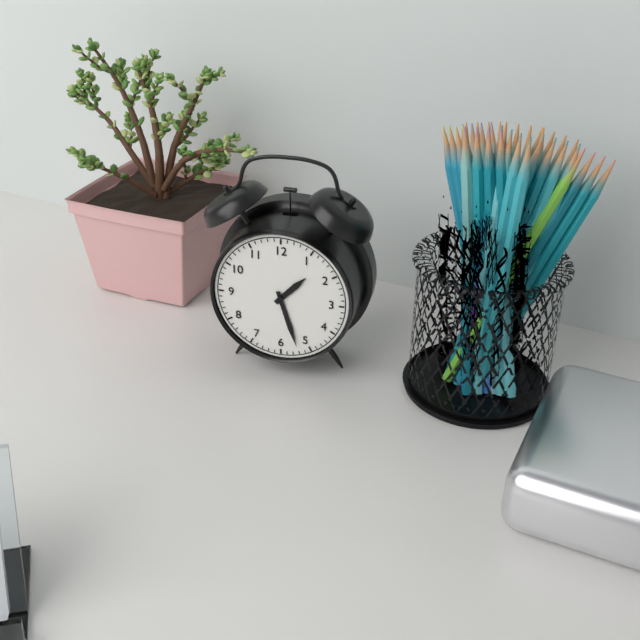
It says 1.27
